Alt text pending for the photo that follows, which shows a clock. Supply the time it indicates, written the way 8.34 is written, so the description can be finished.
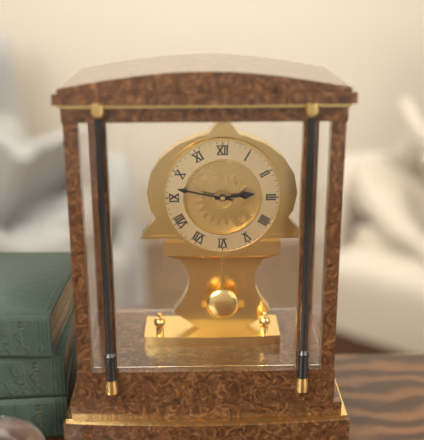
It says 2.47
